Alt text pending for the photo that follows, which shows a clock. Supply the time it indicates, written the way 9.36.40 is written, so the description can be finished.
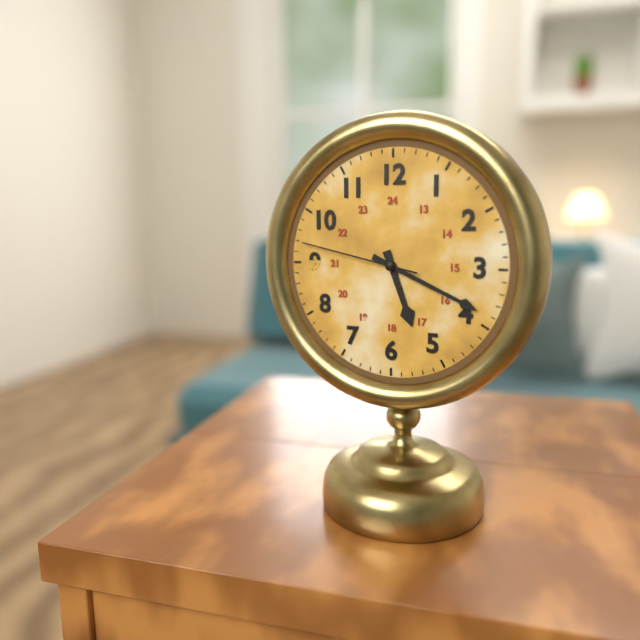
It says 5.19.47
